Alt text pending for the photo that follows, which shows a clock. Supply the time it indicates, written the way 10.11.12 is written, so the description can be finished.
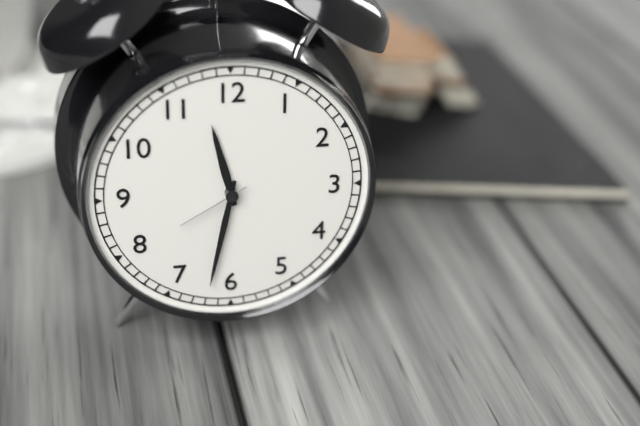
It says 11.32.40
